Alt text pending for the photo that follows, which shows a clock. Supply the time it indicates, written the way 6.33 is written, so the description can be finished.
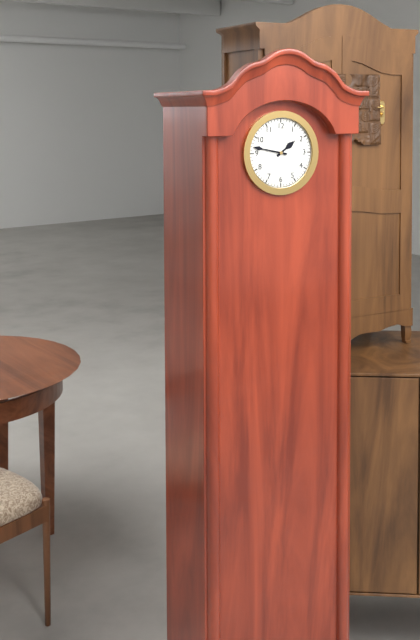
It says 1.47
